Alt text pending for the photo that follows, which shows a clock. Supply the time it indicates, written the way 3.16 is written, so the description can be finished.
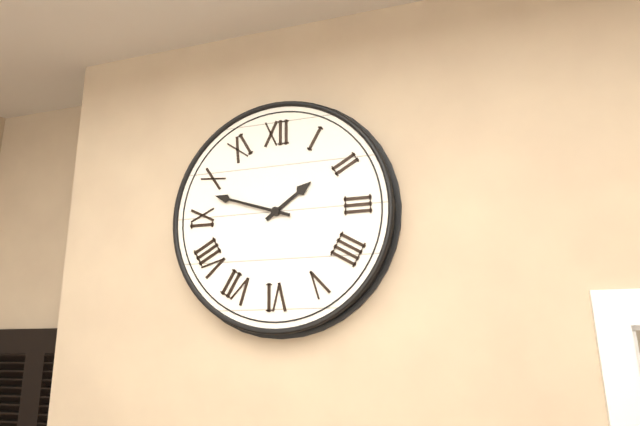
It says 1.48
